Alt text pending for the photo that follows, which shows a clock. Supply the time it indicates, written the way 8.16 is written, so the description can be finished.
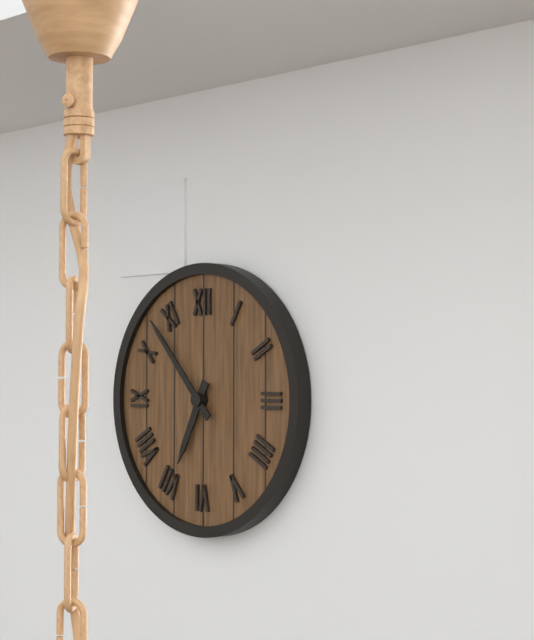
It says 6.53
